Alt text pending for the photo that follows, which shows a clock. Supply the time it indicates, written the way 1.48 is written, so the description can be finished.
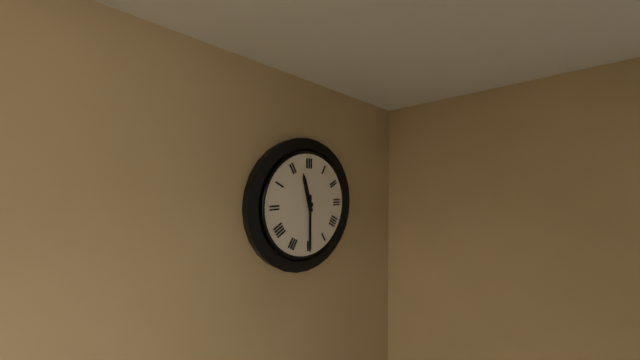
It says 11.30
